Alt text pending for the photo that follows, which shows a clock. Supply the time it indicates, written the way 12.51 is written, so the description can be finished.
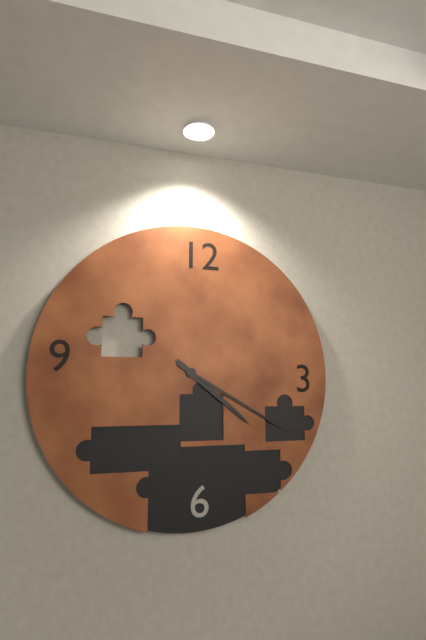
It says 4.20
